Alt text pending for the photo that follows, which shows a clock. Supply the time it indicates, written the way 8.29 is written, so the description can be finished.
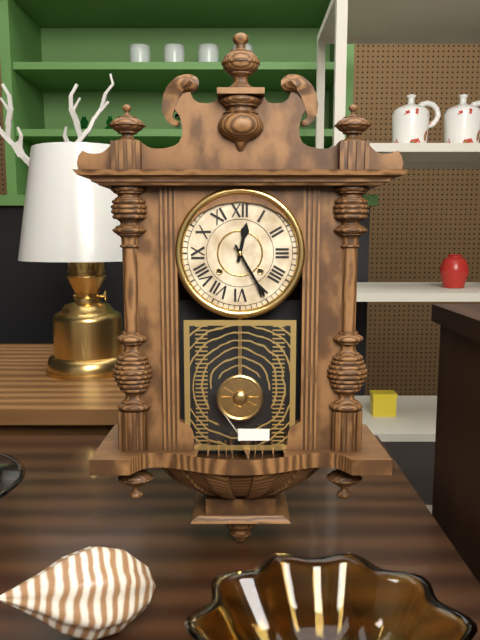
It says 12.25
